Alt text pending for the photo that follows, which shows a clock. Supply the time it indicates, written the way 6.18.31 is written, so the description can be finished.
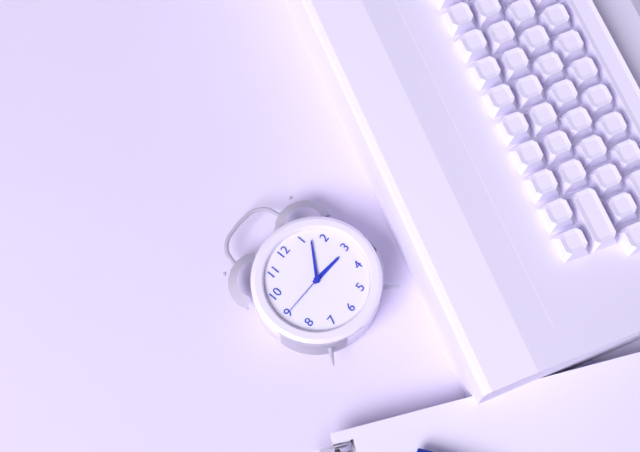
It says 3.07.45
